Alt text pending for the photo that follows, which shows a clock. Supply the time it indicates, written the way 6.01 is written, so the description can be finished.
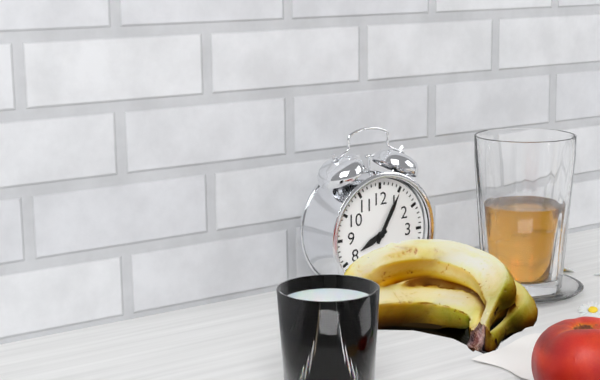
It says 8.05
